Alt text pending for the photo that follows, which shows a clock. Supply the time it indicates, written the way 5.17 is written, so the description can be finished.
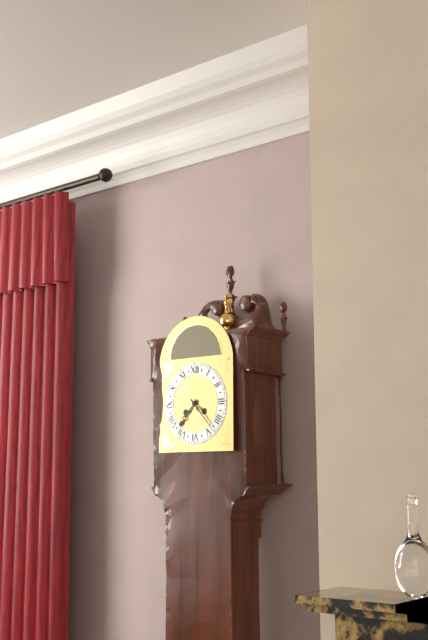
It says 7.23
